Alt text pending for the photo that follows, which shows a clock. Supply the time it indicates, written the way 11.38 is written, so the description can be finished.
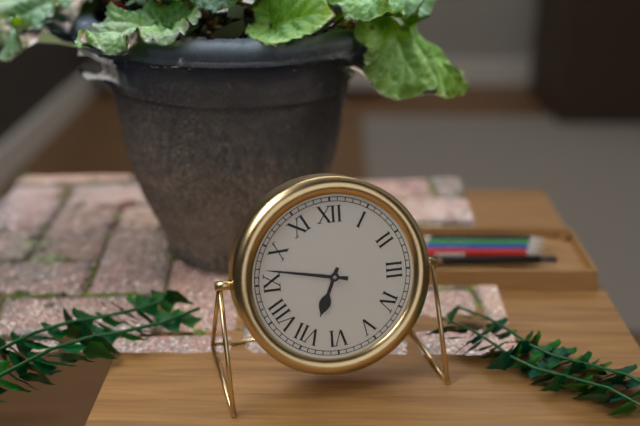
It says 6.47
